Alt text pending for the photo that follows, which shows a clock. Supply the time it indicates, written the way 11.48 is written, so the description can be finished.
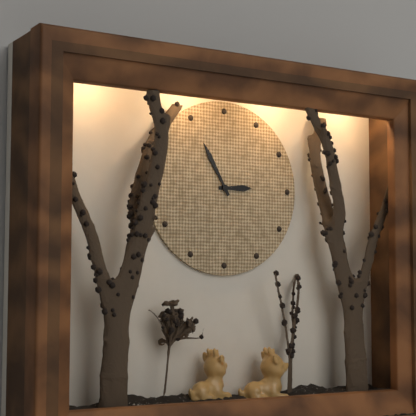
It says 2.55
